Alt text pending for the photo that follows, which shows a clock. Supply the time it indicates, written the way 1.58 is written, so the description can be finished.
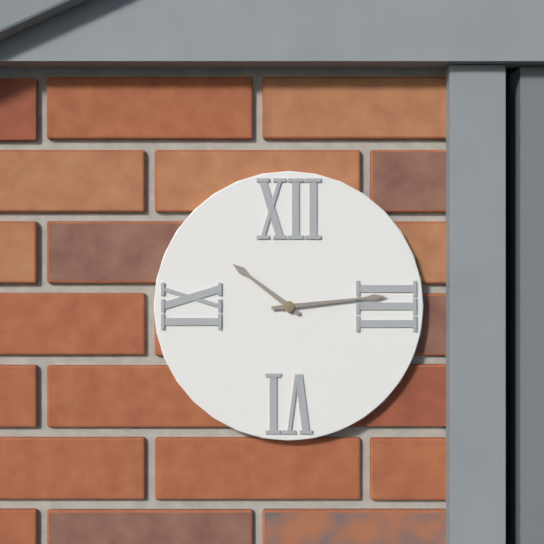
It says 10.14
